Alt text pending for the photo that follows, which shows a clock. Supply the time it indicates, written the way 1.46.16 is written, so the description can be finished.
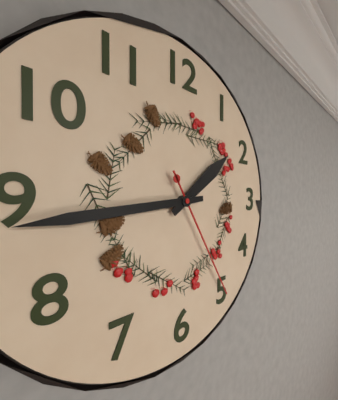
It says 1.44.25
